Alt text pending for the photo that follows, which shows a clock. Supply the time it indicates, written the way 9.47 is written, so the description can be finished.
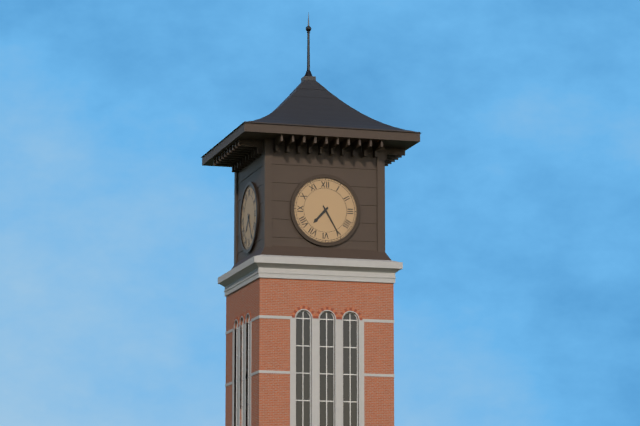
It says 7.25
